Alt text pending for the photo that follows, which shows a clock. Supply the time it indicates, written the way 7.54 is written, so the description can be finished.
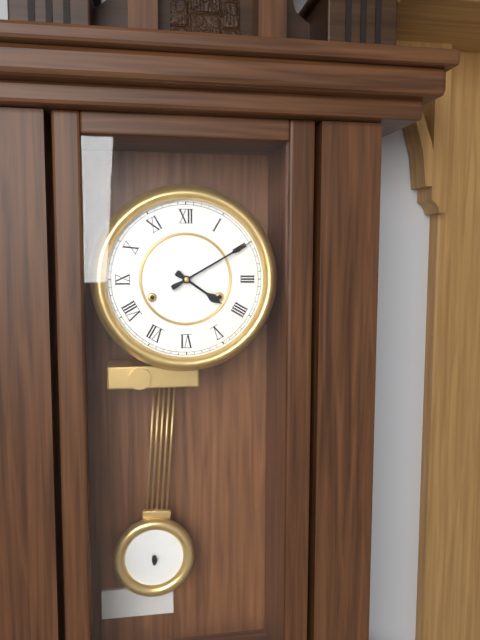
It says 4.10
